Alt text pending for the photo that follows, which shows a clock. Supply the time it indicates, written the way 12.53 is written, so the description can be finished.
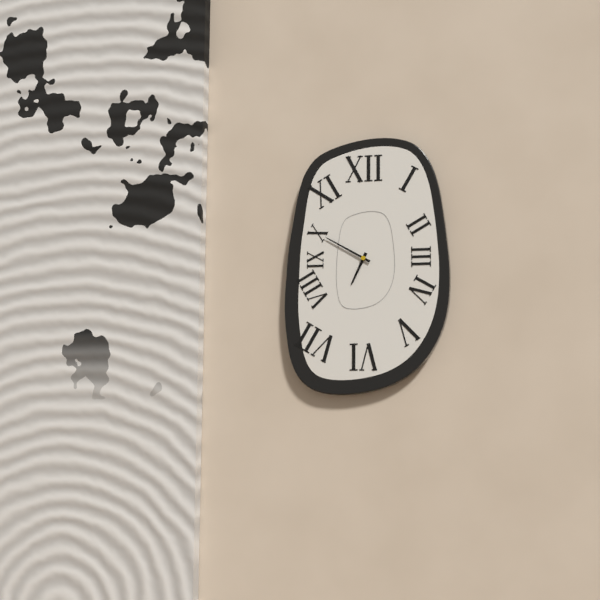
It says 6.50
